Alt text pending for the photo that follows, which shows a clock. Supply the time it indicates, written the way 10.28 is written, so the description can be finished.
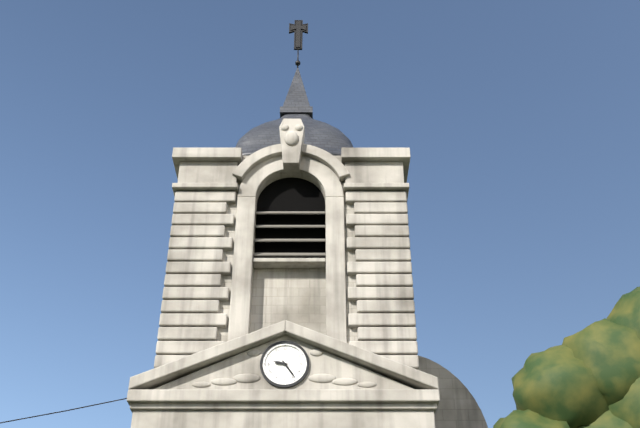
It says 9.24
